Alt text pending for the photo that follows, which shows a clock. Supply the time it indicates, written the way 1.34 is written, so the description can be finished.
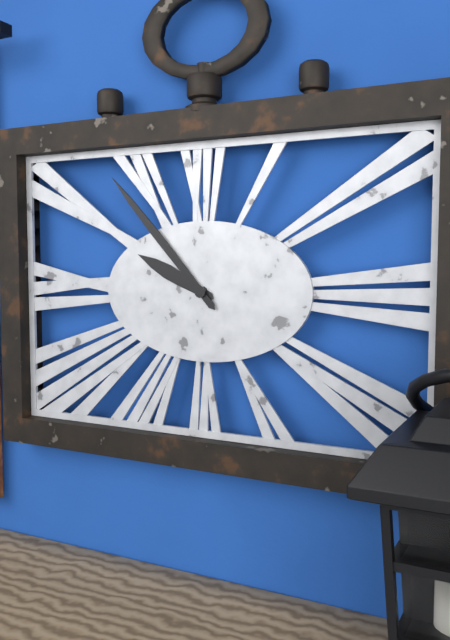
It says 9.53
